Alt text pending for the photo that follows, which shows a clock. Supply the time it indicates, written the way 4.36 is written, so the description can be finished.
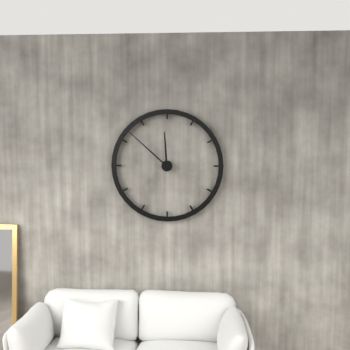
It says 11.52
